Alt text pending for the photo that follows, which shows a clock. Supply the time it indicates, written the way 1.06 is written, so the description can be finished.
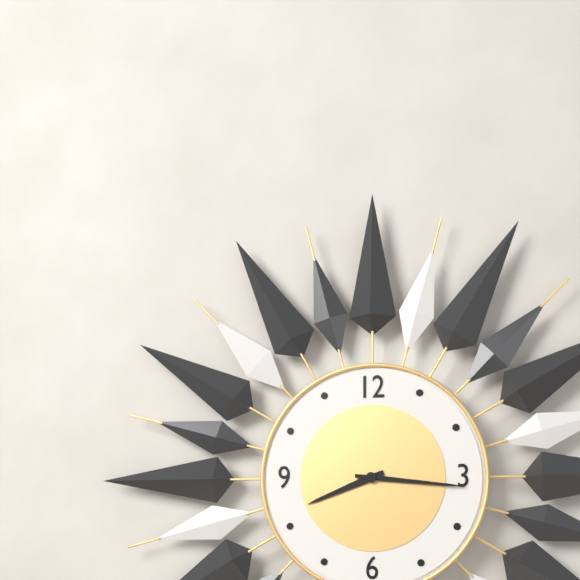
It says 8.16
